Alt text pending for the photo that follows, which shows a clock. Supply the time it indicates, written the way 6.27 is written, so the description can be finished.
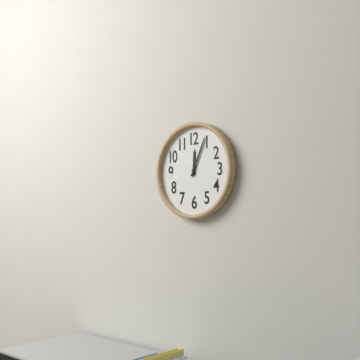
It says 12.04
